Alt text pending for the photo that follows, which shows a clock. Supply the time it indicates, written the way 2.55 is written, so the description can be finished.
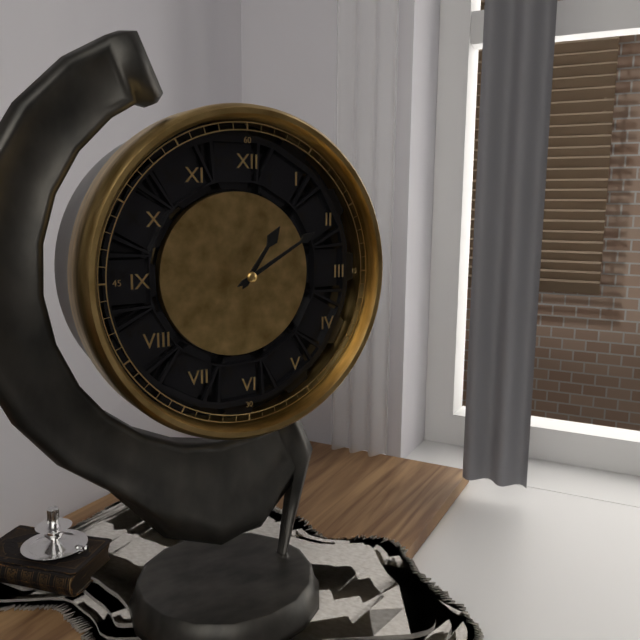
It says 1.10
